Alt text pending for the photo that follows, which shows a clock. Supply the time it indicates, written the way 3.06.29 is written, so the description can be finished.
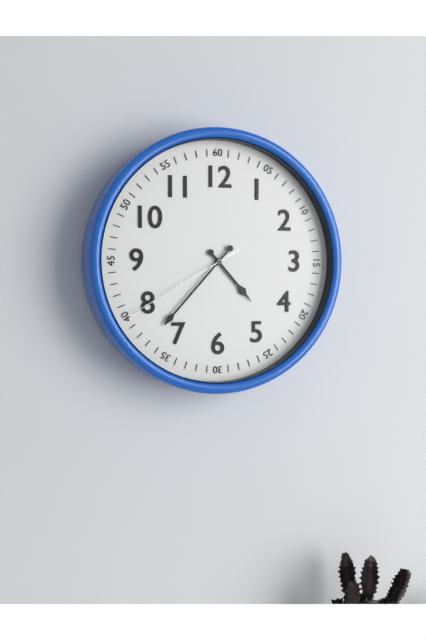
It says 4.37.40
